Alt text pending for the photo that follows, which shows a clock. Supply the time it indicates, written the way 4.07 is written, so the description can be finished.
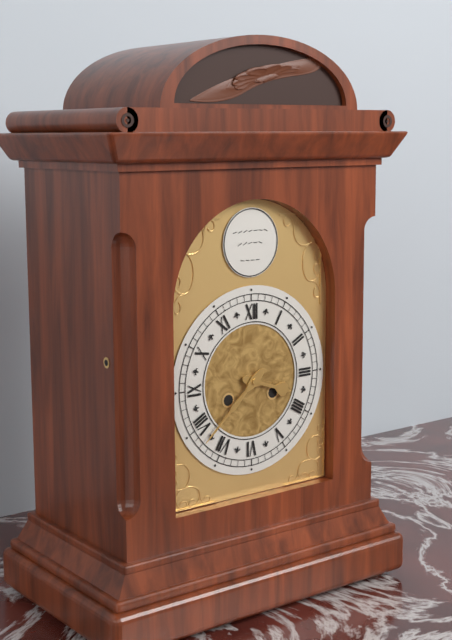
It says 3.38
